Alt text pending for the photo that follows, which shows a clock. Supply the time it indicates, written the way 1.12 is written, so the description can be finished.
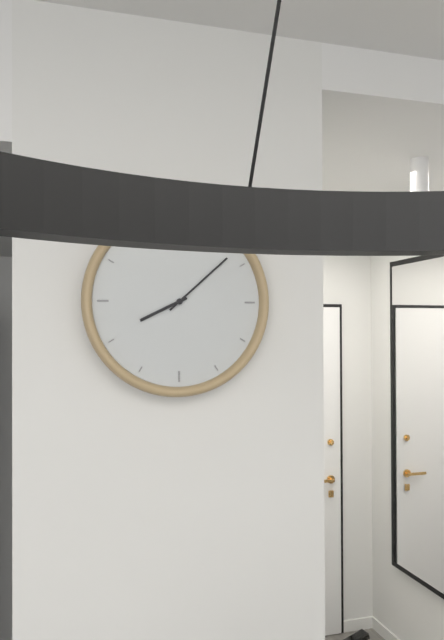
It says 8.08
